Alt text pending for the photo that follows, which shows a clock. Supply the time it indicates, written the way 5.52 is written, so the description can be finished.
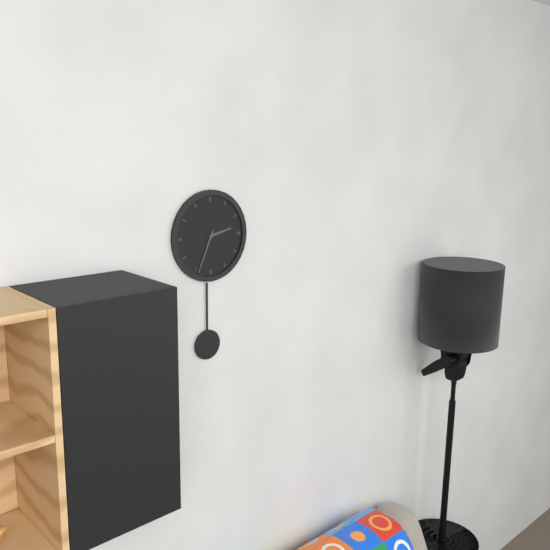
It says 2.34
